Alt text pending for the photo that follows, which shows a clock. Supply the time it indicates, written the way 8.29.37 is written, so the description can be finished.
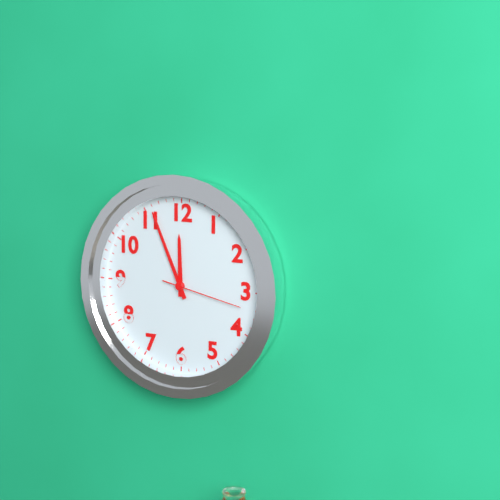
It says 11.56.17
